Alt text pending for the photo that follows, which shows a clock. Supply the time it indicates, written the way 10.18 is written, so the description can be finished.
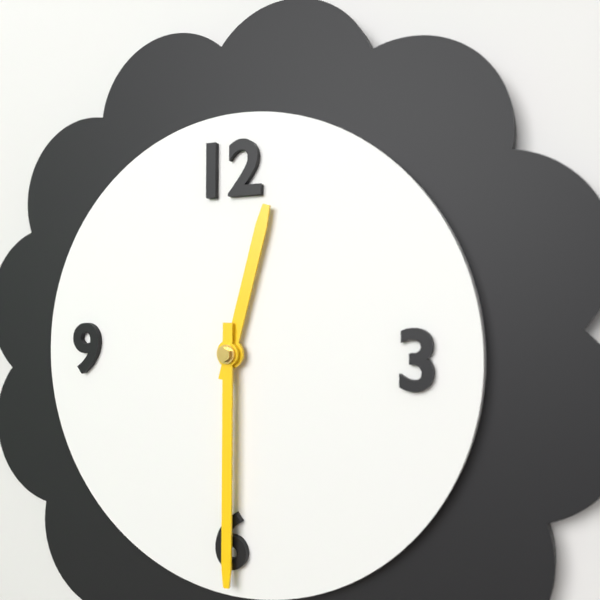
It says 12.30
